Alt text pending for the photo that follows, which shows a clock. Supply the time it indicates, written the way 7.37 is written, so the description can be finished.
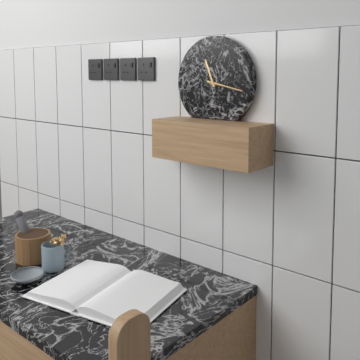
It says 11.17
